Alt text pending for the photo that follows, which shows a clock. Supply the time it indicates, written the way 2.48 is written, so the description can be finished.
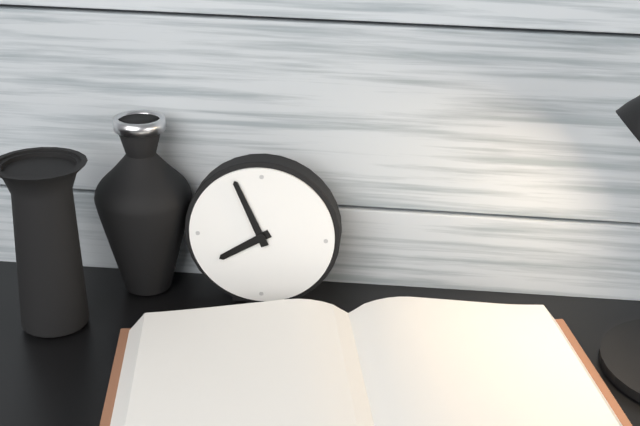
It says 7.56
